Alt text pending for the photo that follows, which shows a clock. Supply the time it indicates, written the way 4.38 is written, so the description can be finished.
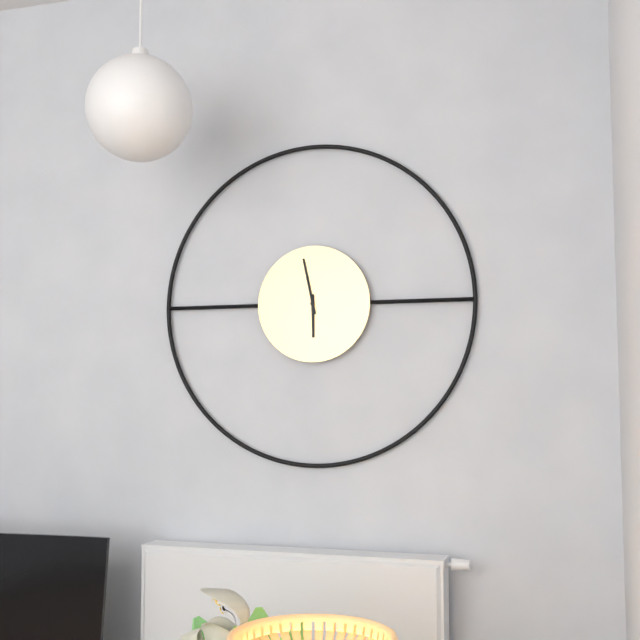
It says 5.58
